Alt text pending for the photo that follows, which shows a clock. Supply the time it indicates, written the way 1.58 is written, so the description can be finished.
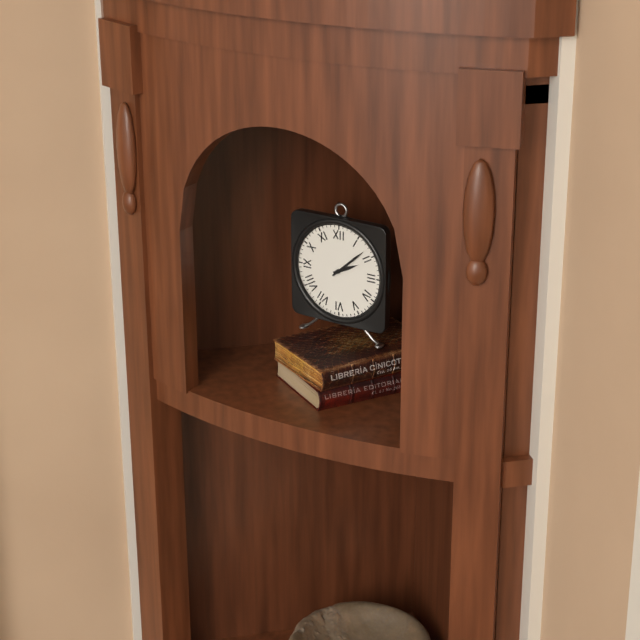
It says 2.08
